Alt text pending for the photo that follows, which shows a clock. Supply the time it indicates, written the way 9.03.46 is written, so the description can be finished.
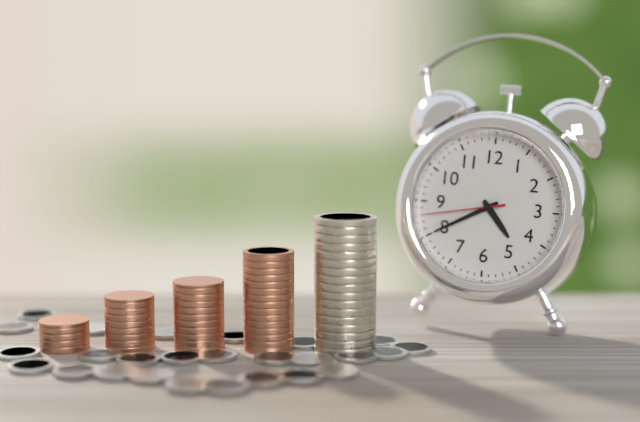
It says 4.40.43
